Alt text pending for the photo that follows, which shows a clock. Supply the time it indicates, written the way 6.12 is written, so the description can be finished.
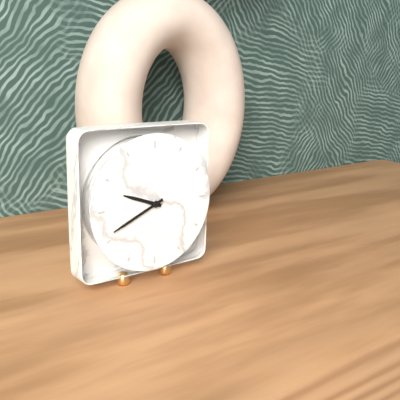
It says 9.41
